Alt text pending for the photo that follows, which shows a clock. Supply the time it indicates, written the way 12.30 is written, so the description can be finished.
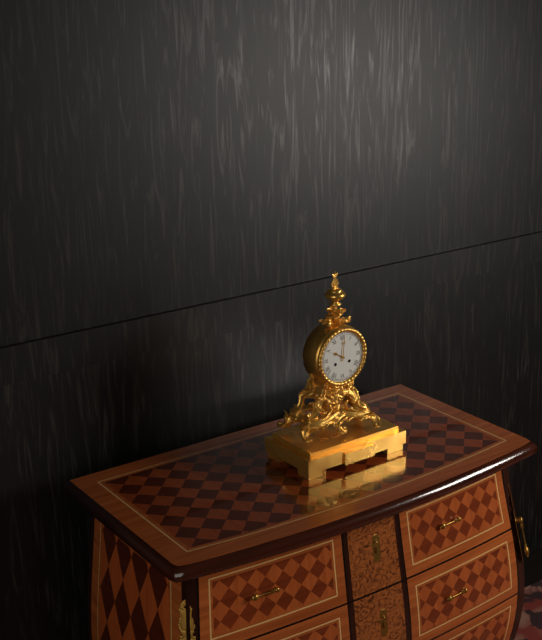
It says 10.01
